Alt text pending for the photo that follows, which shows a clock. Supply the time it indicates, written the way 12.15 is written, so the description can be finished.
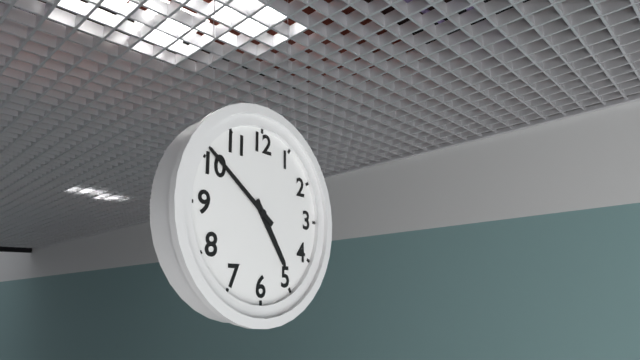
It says 4.51
